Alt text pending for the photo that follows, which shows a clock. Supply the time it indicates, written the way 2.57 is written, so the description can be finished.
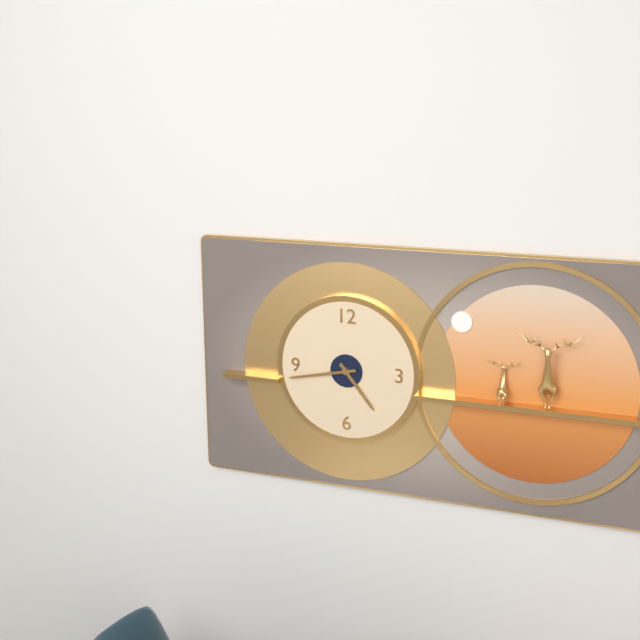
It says 4.43
